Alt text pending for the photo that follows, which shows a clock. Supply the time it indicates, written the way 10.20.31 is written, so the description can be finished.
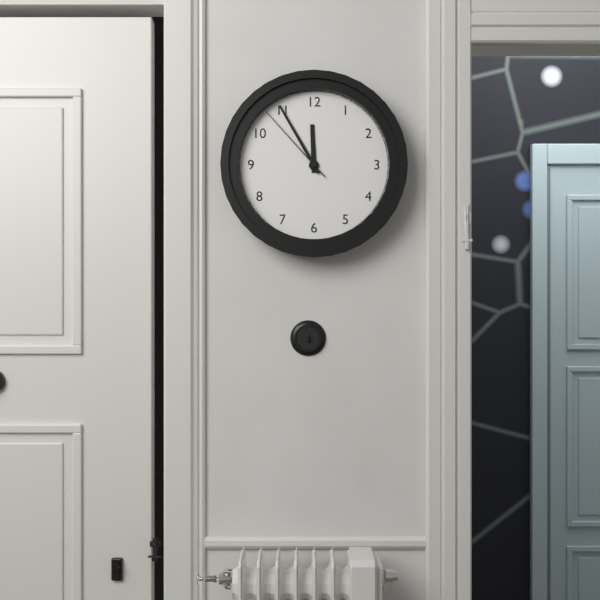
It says 11.55.53
